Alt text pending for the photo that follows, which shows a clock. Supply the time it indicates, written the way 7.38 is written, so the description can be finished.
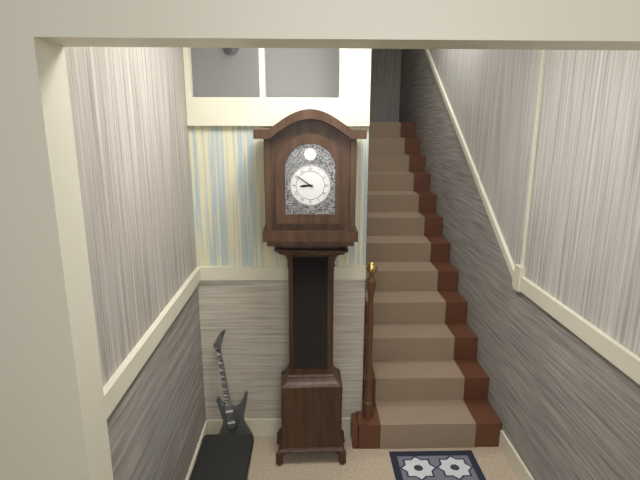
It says 8.51
